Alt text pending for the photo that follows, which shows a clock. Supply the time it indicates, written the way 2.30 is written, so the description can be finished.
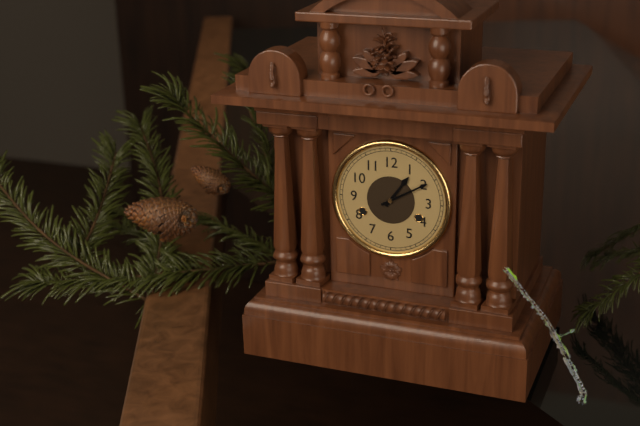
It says 1.10
